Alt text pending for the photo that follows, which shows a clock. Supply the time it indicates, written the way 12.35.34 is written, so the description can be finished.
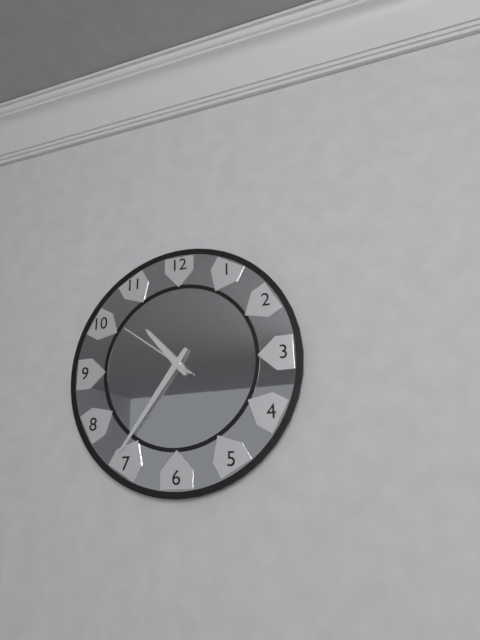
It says 10.36.51
